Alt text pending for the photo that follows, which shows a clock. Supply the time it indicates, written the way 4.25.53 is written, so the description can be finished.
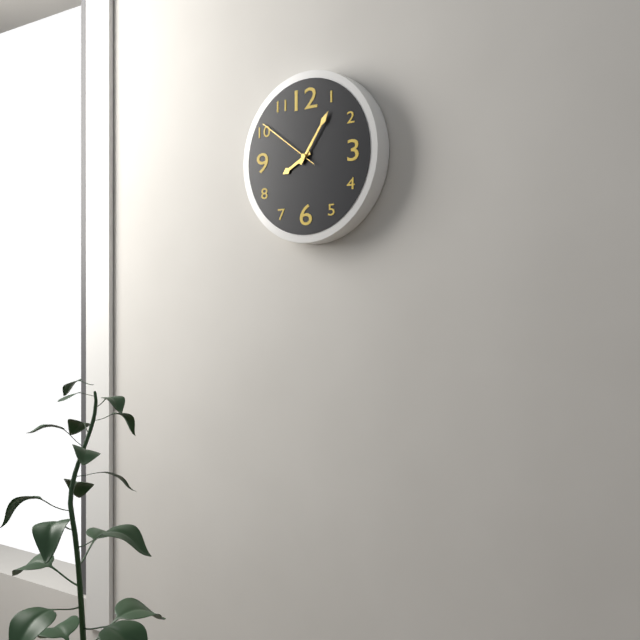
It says 8.06.51
